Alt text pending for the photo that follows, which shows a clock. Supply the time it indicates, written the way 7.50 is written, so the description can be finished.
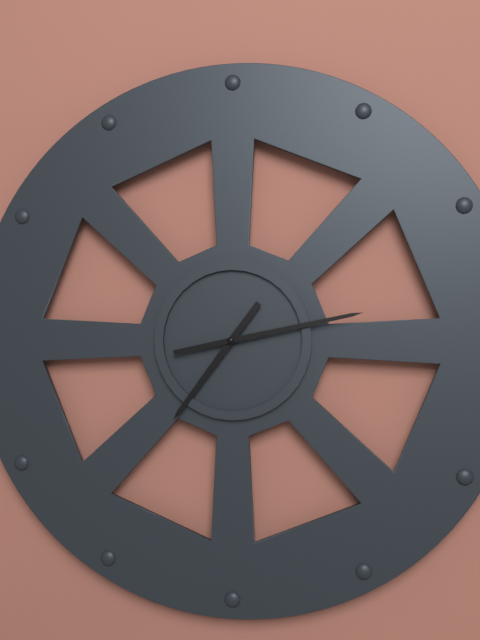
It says 7.13
